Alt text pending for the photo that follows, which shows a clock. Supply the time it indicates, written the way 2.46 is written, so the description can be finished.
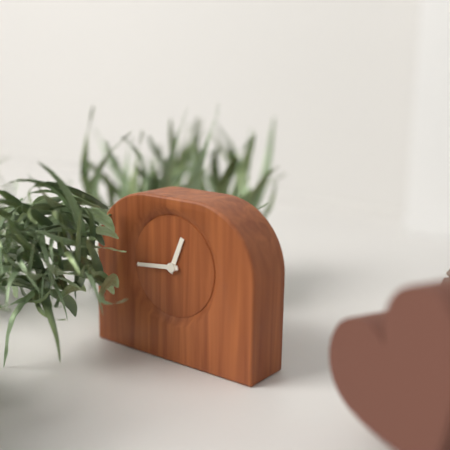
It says 12.44
